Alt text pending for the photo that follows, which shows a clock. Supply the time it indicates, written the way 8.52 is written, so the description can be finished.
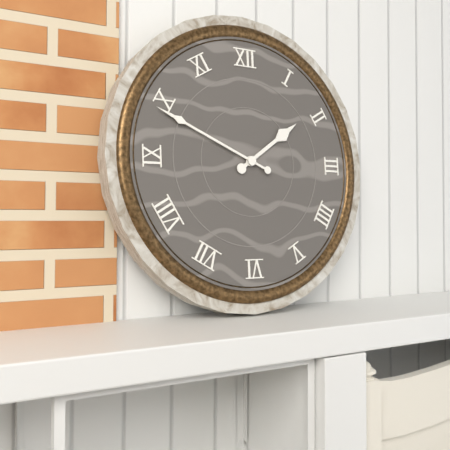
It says 1.49
